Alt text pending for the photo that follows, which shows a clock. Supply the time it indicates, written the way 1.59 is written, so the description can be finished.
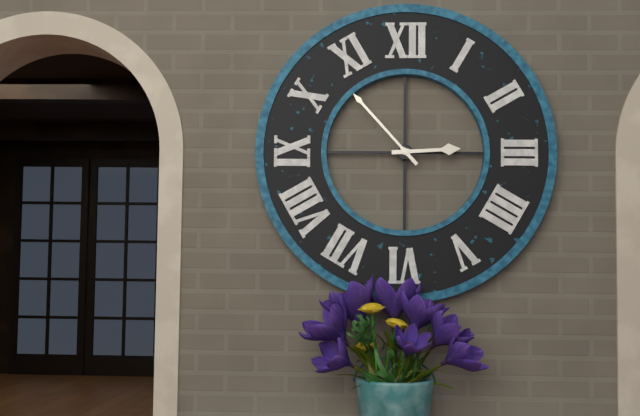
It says 2.53
